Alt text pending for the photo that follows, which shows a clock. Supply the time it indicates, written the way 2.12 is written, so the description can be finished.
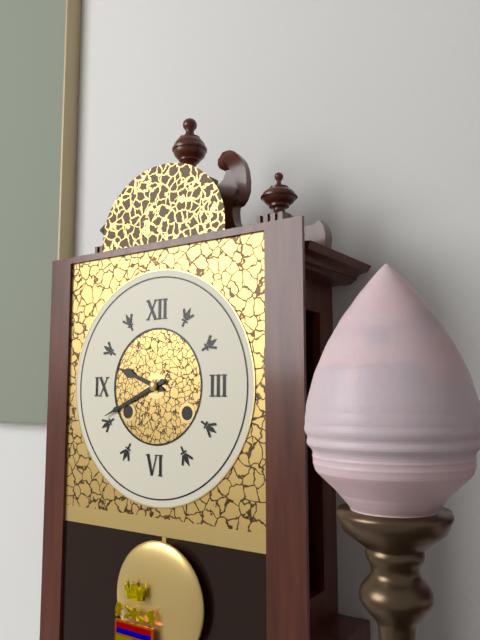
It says 9.41
